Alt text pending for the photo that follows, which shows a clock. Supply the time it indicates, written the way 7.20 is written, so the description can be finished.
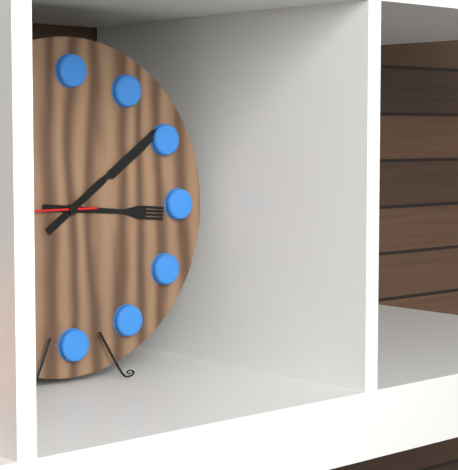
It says 3.09
